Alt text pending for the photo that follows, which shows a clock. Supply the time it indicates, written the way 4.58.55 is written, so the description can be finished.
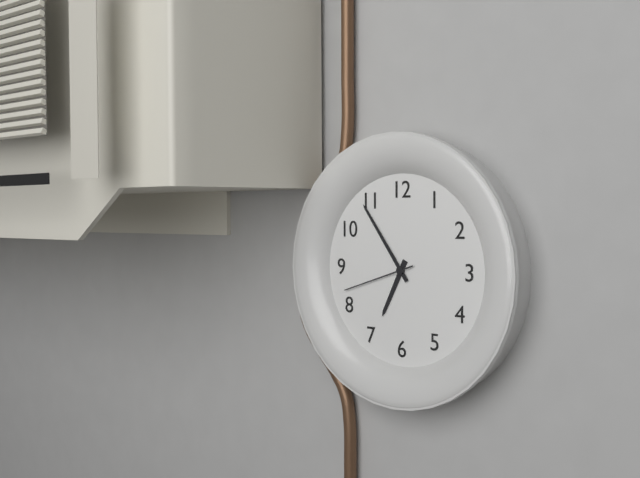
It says 6.54.42
